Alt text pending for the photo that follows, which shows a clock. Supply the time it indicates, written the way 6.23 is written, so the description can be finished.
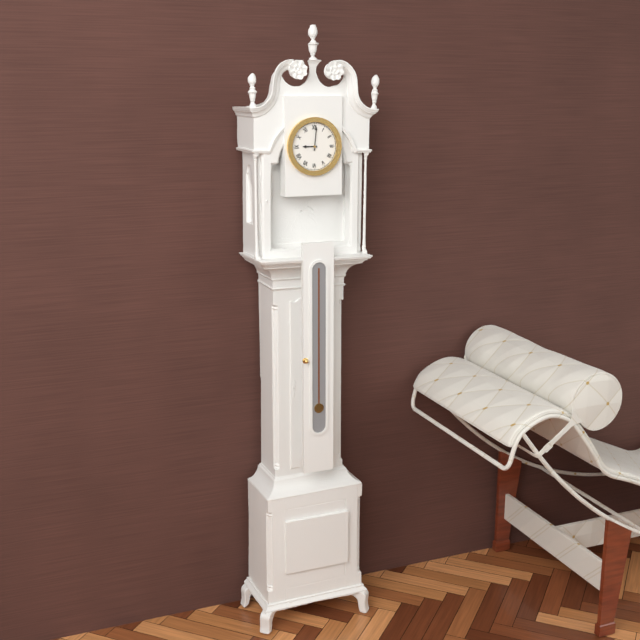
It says 9.01
